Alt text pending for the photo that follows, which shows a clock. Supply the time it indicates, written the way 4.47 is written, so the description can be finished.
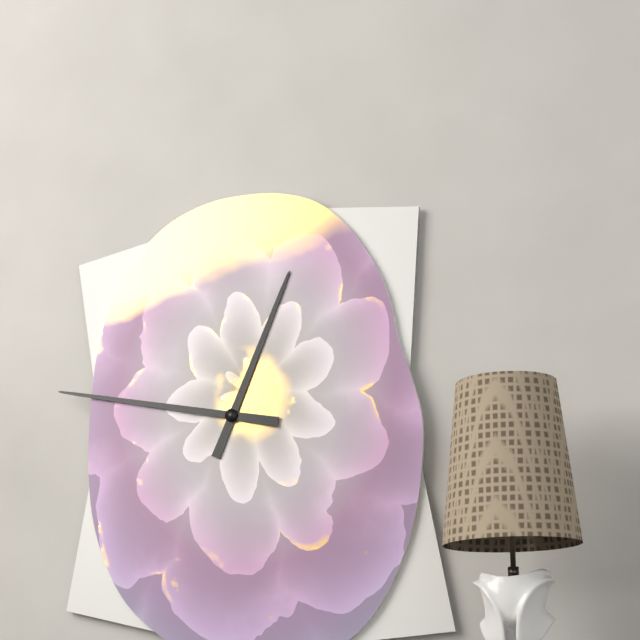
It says 12.47
